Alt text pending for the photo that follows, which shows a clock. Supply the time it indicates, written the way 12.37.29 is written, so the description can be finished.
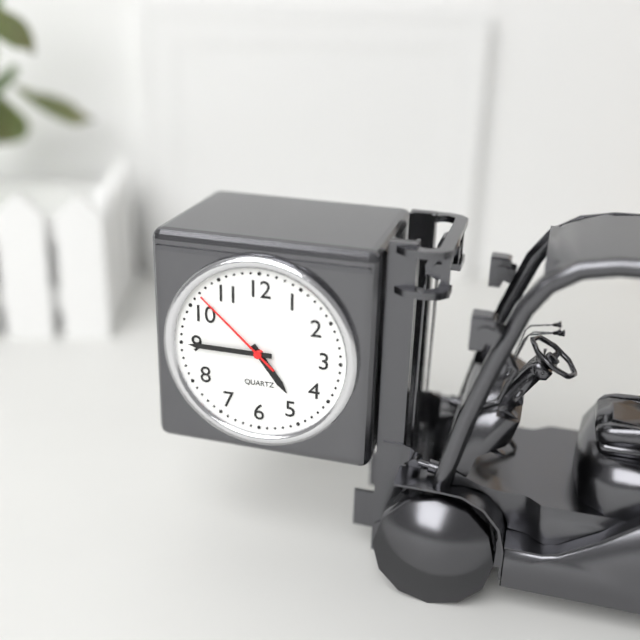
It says 4.45.52
